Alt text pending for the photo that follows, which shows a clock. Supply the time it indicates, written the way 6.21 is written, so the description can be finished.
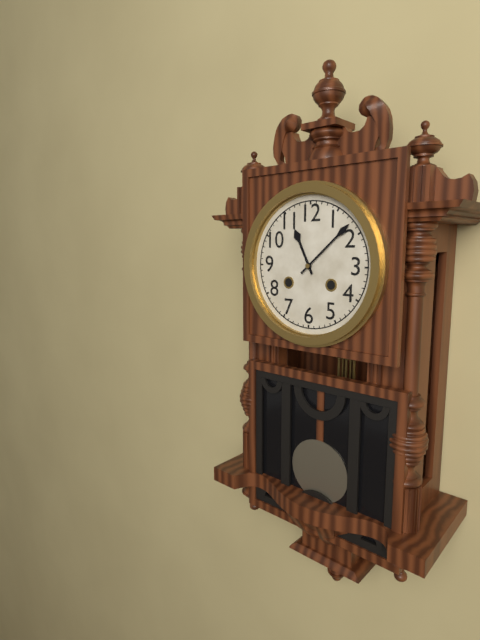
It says 11.08
